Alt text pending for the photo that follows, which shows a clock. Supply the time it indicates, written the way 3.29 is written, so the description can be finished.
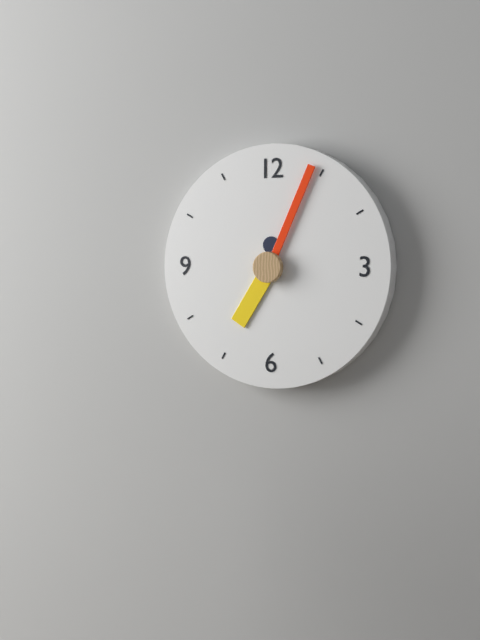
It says 7.04
